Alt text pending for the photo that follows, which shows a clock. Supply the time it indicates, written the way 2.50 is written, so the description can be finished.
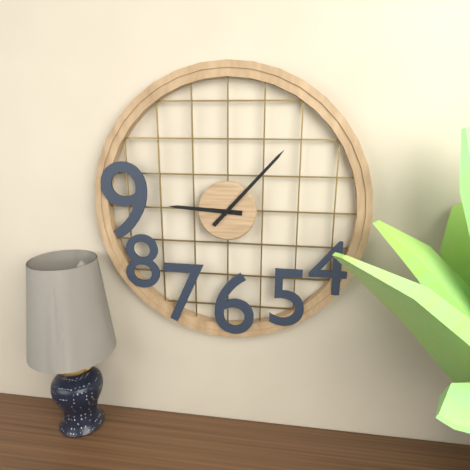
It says 9.07
